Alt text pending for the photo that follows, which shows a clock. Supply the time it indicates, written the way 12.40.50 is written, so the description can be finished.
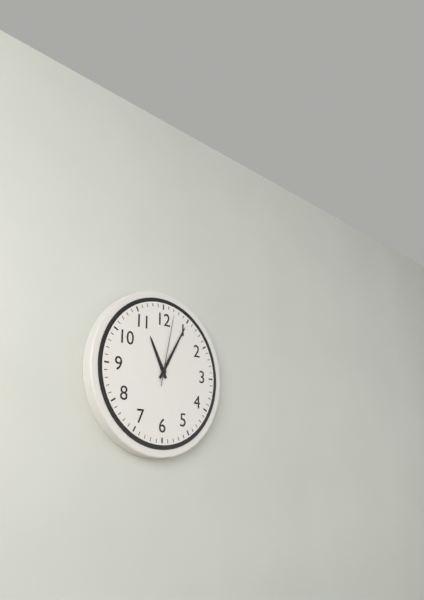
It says 11.05.02
